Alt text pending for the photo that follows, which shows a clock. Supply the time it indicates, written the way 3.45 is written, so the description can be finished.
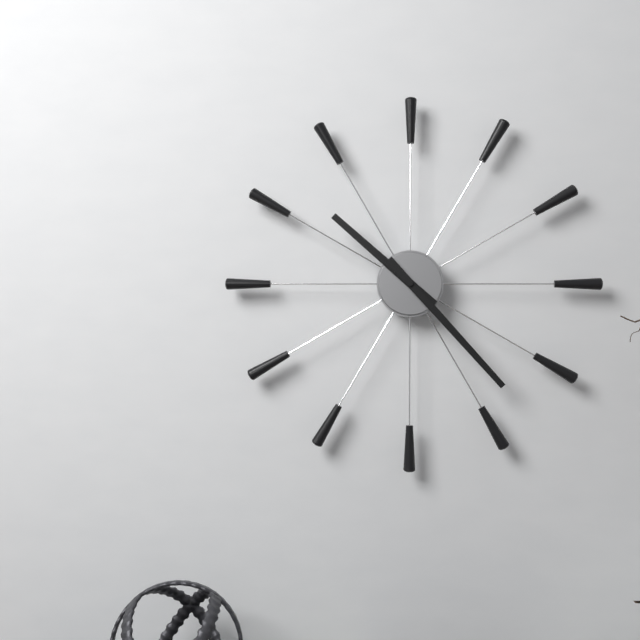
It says 10.23
